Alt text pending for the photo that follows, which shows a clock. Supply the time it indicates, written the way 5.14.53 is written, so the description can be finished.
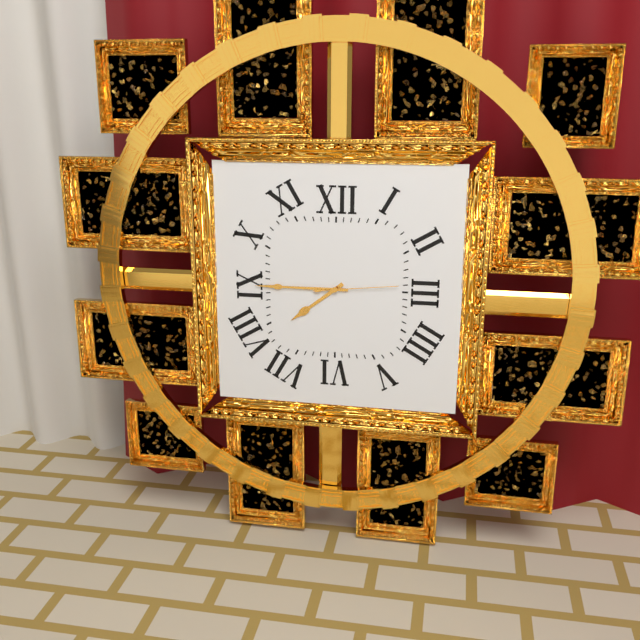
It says 7.45.14
